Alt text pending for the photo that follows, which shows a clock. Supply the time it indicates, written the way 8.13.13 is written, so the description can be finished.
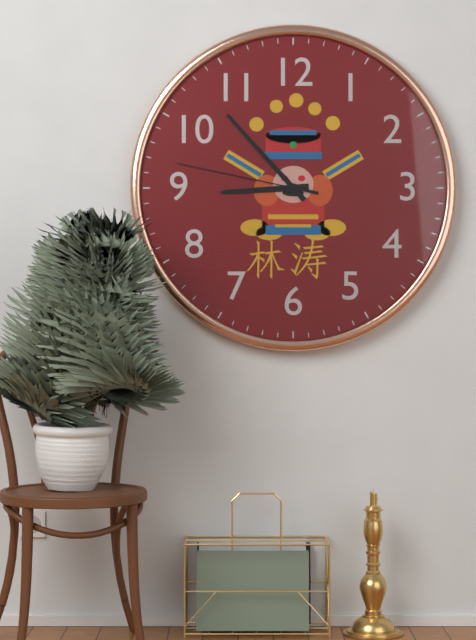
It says 8.53.47
